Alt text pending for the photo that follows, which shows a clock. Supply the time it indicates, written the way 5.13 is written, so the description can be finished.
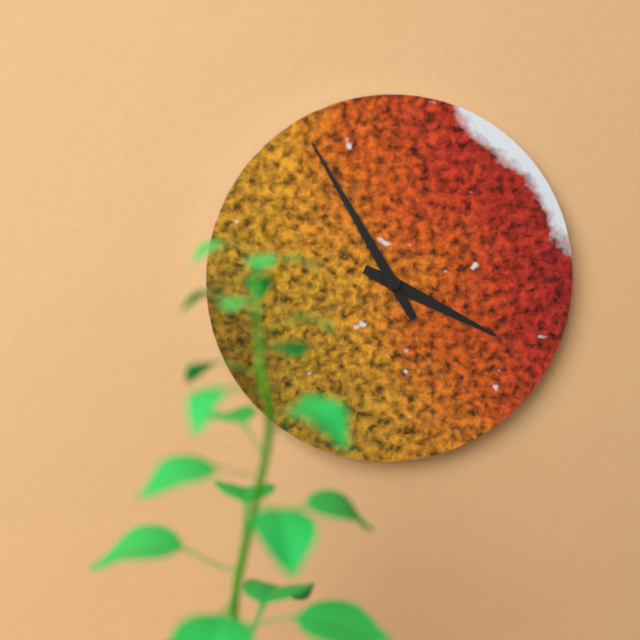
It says 3.55
